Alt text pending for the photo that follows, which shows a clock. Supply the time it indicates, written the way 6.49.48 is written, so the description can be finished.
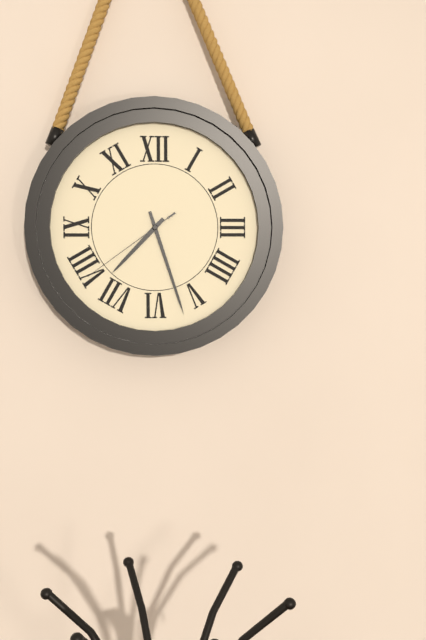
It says 7.27.39
